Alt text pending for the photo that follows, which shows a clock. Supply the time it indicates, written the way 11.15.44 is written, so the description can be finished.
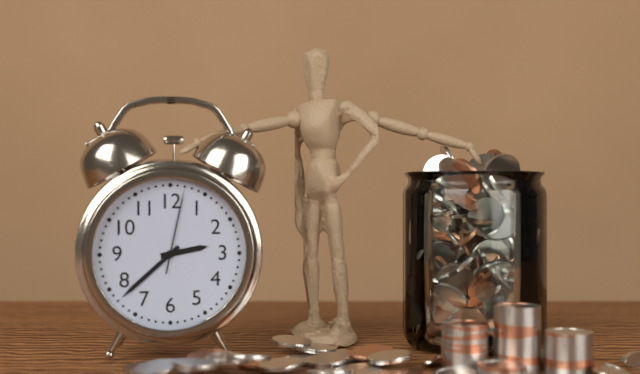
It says 2.38.02
